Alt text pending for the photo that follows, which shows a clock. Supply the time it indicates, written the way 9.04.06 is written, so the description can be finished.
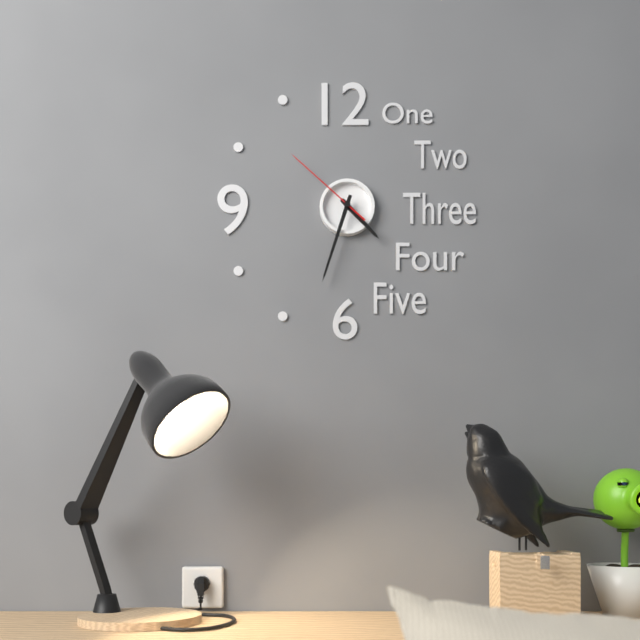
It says 4.33.52
